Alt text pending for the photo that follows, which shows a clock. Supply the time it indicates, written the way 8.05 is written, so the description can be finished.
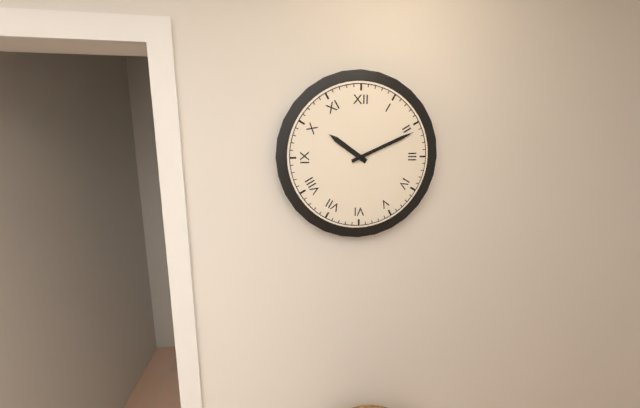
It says 10.11
